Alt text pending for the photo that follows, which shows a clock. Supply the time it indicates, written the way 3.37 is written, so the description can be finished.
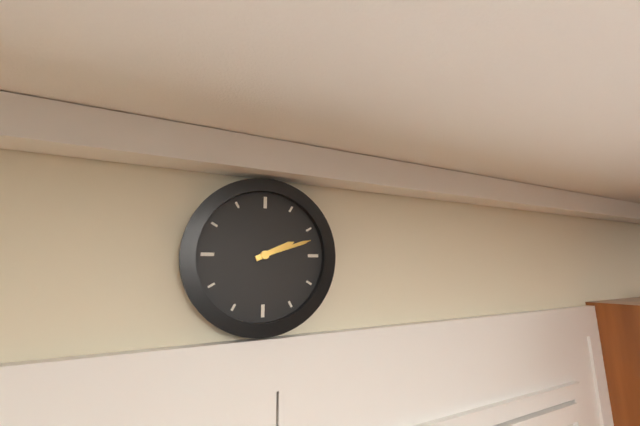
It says 2.12
